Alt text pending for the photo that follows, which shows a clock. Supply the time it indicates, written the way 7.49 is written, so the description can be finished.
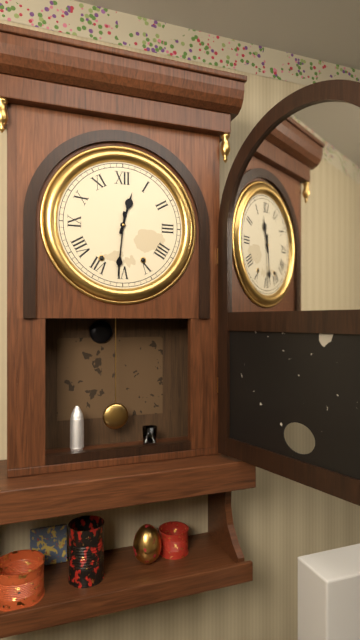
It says 12.31
